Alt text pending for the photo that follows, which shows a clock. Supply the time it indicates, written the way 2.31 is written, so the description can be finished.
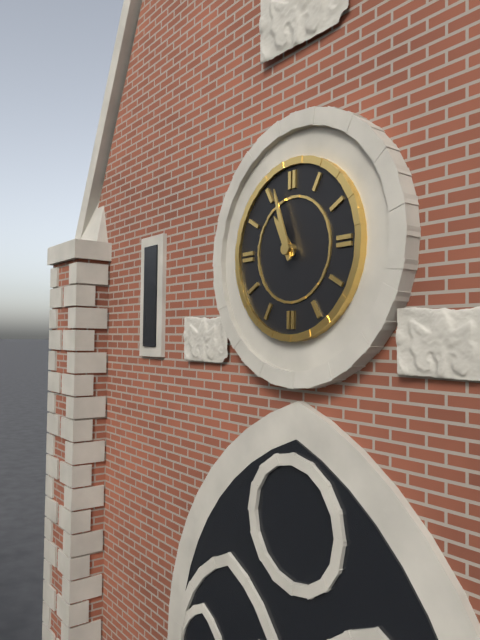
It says 10.57
